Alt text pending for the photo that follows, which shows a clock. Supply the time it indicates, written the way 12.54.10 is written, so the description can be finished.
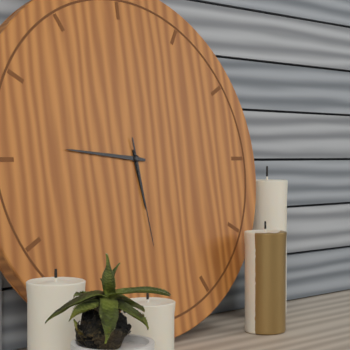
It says 5.46.29
